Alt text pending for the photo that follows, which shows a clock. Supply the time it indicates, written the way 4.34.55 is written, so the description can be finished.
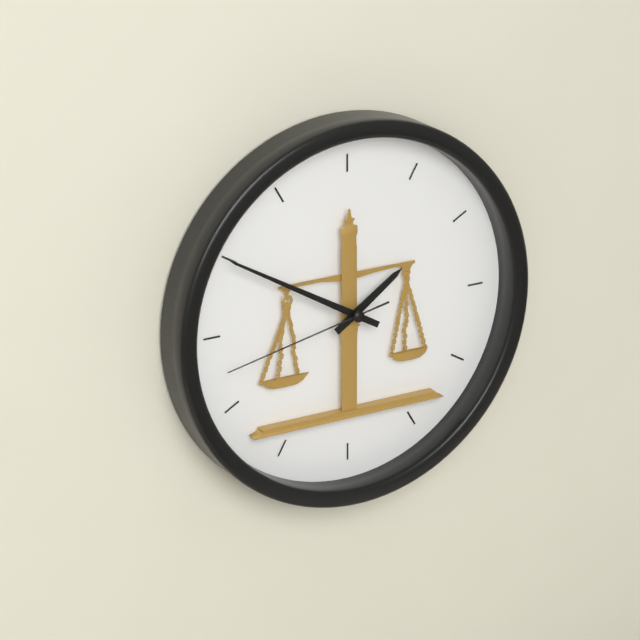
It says 1.50.43
